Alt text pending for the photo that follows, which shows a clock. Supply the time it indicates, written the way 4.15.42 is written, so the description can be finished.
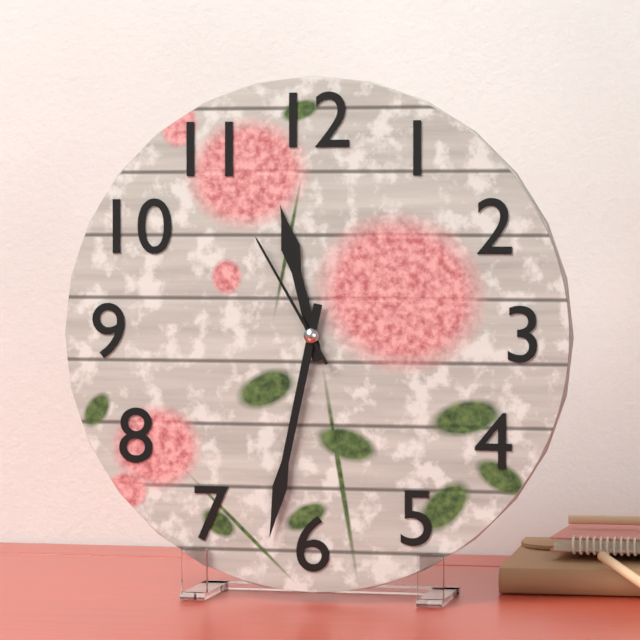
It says 11.32.55
